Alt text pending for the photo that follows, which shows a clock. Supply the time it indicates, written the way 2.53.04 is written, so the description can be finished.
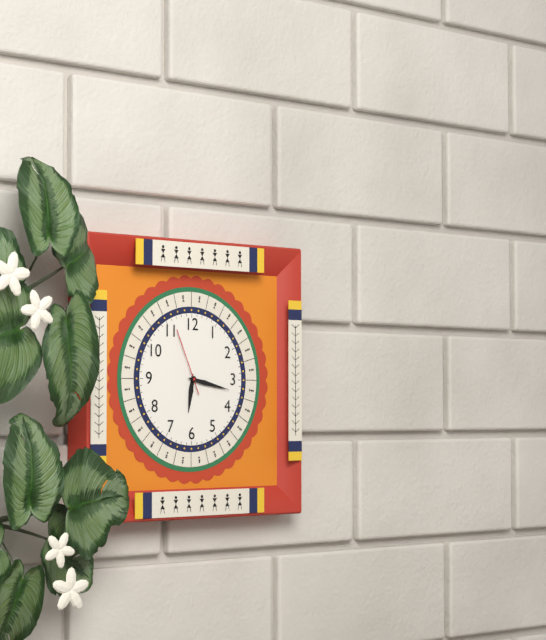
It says 6.17.56
